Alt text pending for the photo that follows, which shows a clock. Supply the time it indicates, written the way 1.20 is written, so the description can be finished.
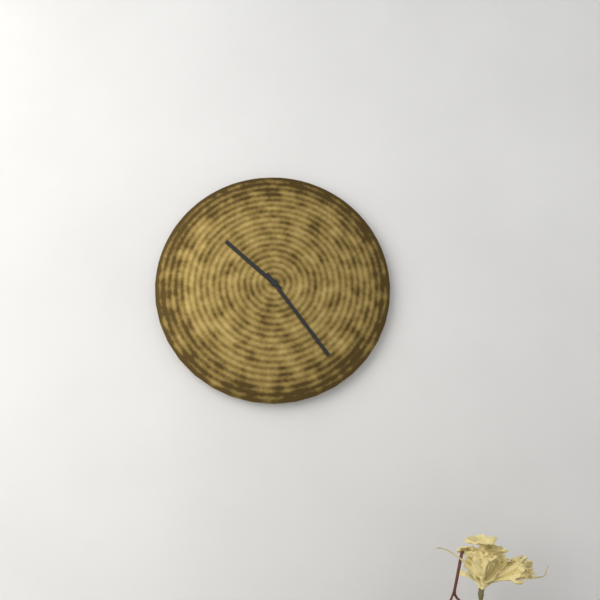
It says 10.24
